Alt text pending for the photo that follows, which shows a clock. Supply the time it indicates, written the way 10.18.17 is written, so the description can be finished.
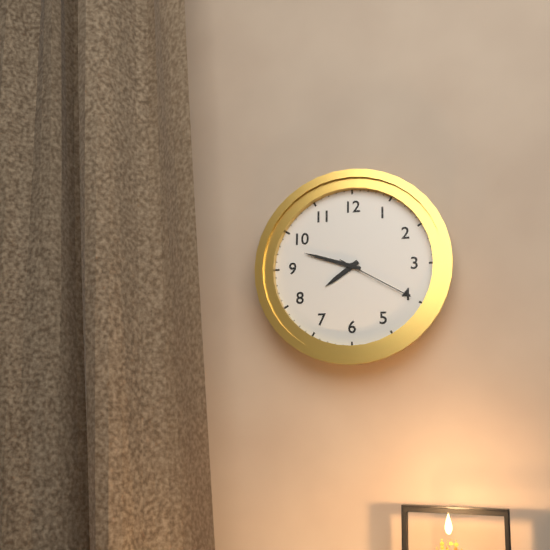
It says 7.48.20
